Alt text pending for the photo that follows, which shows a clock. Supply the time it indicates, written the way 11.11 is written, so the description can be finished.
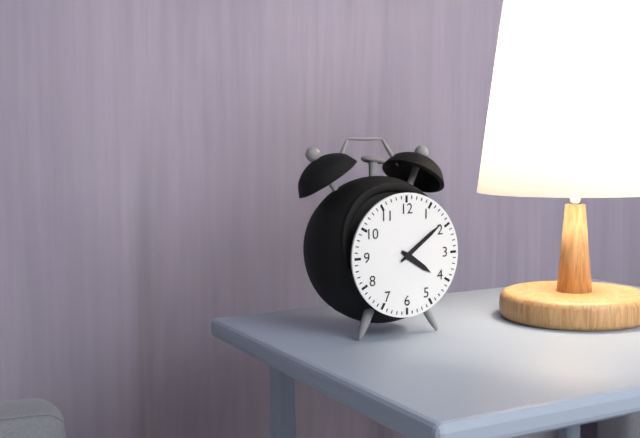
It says 4.09
